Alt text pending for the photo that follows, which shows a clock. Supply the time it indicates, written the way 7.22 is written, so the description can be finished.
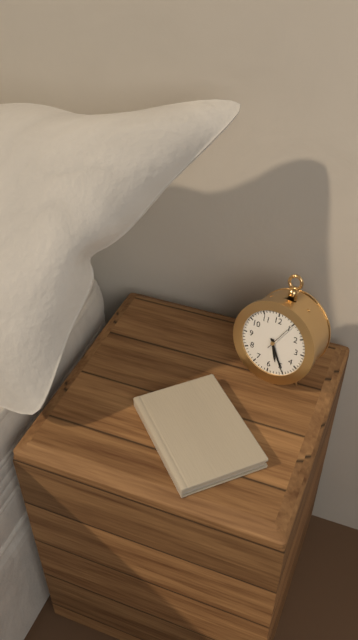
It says 5.25
